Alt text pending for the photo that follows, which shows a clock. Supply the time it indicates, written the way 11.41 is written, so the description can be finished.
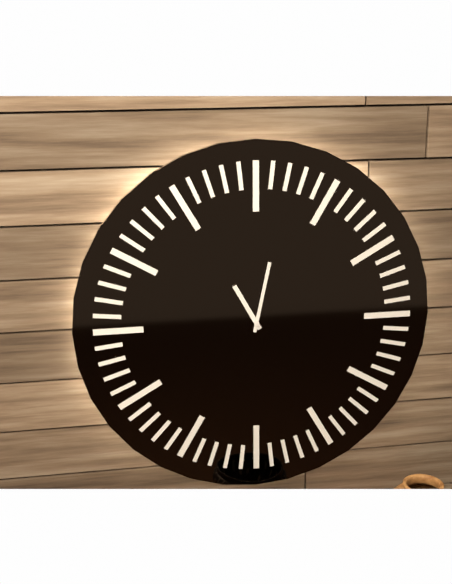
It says 11.02
